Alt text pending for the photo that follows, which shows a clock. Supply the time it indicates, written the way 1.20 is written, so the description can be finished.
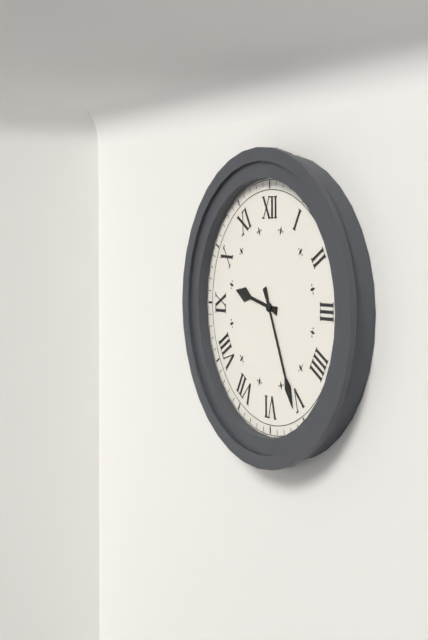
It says 9.26
